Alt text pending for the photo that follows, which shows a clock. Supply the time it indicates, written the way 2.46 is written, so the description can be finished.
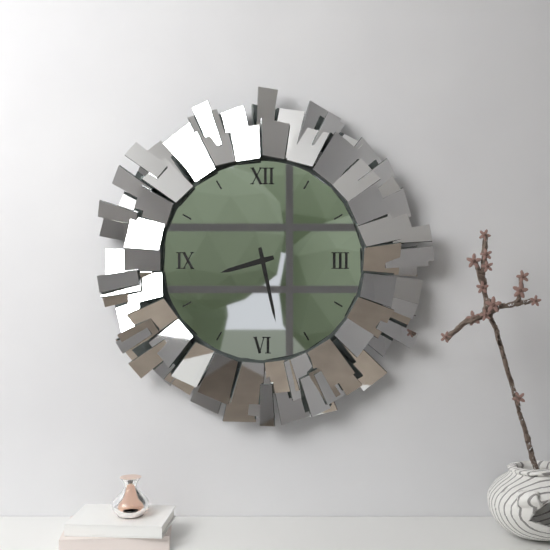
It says 8.28
